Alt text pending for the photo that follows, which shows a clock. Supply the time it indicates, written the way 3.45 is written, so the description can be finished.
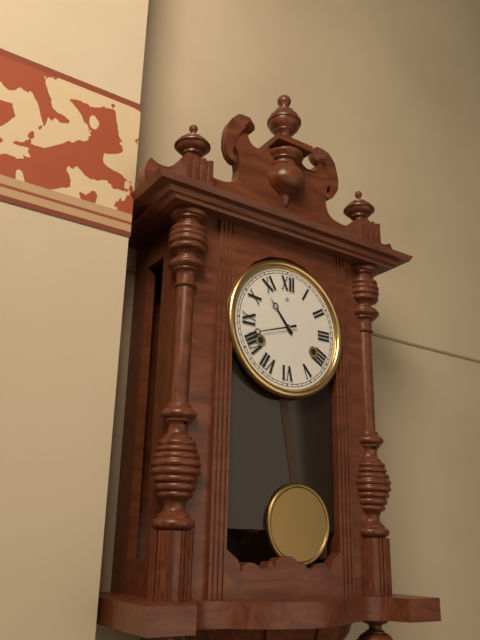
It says 10.42
